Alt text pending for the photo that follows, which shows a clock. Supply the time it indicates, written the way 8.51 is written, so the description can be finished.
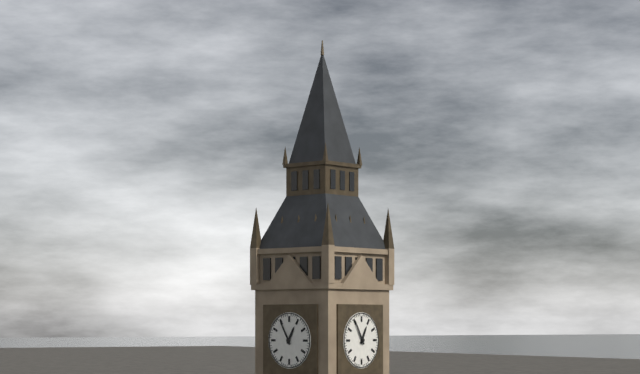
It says 12.55
